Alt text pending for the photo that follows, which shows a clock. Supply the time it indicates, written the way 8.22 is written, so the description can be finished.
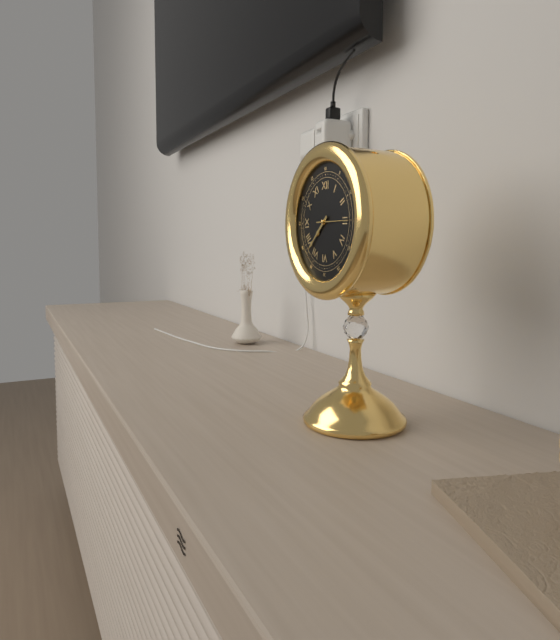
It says 7.38
